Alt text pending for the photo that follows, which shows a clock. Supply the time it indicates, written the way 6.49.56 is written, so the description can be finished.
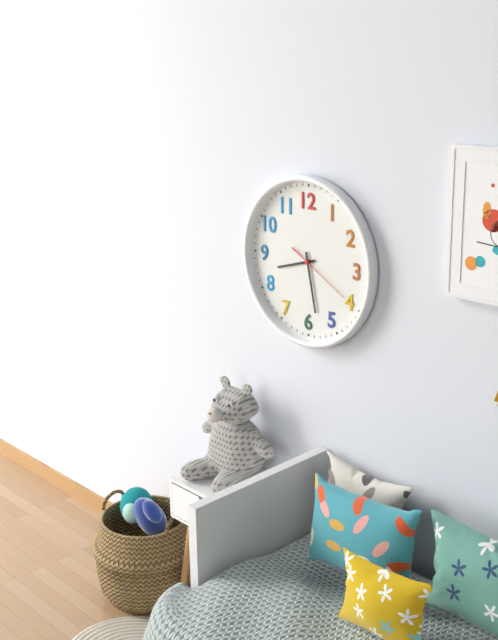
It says 8.28.20
